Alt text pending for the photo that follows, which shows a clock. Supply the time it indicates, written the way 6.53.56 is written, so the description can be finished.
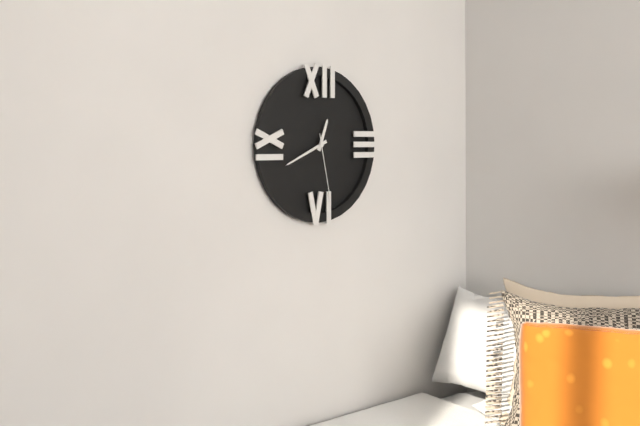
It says 12.41.28
